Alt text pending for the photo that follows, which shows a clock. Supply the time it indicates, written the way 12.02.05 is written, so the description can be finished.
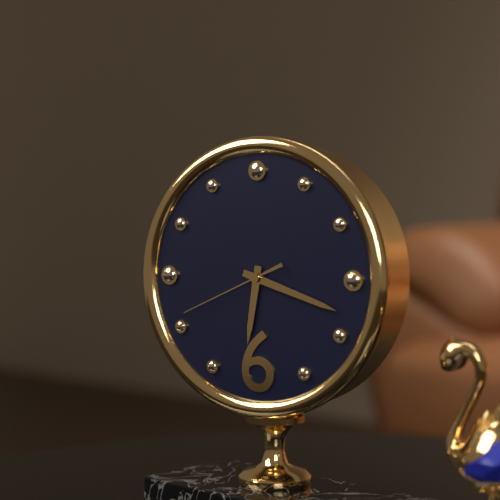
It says 6.18.41
